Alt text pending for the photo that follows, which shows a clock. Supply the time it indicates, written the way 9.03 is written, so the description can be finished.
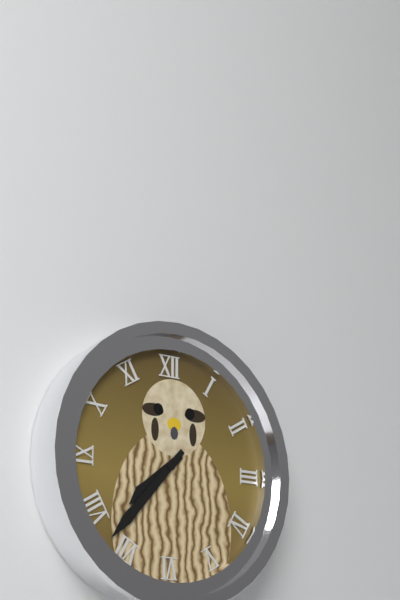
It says 7.37
